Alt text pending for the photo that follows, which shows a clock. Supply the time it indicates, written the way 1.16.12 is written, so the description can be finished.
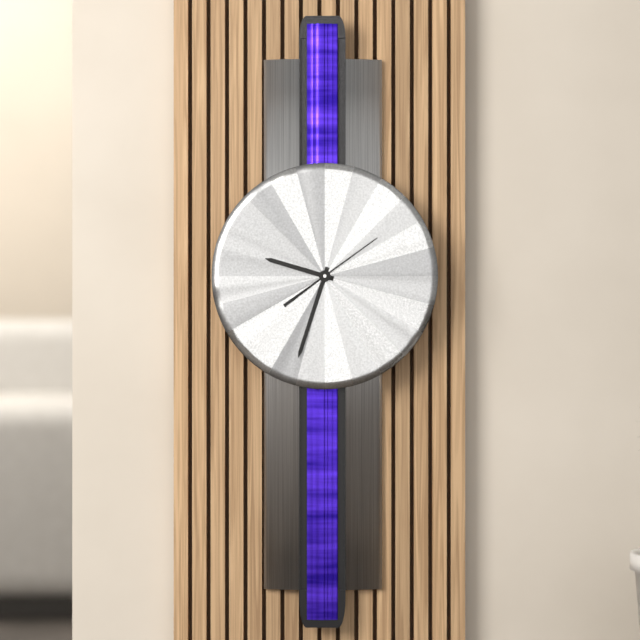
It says 9.33.09
